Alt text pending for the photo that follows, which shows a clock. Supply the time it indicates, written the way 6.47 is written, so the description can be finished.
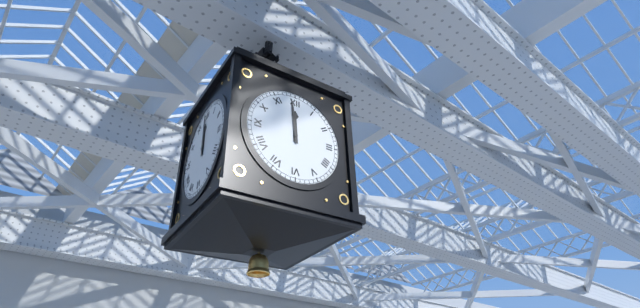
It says 11.59
